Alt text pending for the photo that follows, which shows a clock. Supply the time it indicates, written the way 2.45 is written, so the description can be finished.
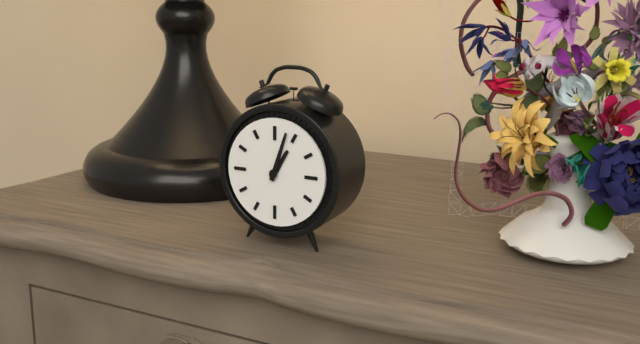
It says 1.03
